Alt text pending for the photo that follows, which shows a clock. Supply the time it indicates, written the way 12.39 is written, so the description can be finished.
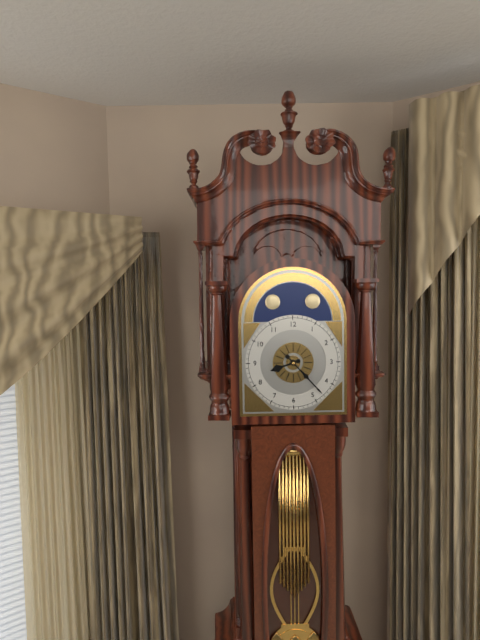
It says 8.23
